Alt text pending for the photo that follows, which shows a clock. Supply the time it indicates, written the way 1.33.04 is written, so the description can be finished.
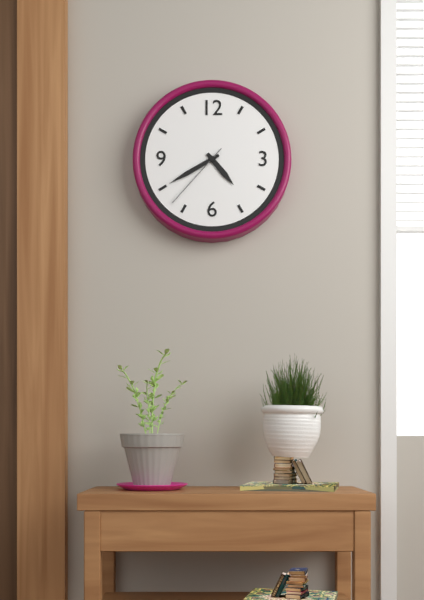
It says 4.40.37
